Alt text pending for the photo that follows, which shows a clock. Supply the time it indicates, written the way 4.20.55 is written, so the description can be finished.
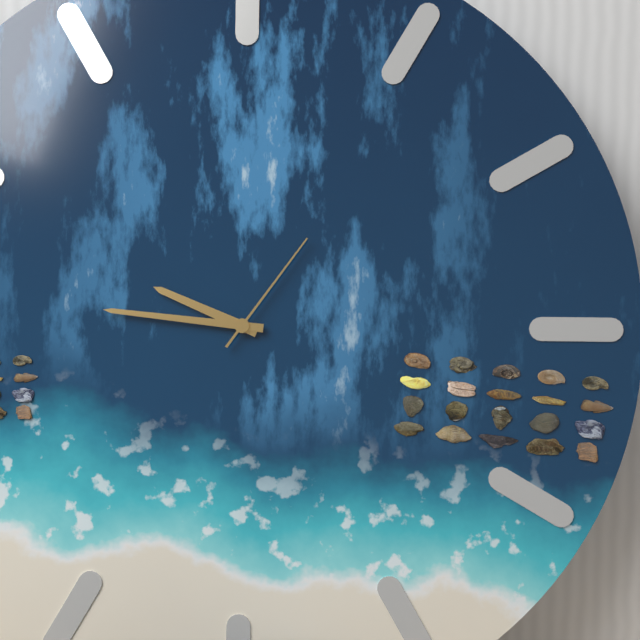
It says 9.46.06
